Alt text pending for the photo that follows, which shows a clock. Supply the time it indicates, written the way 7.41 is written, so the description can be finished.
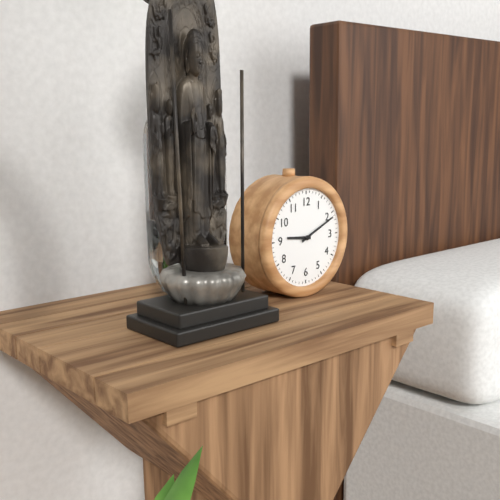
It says 9.11
